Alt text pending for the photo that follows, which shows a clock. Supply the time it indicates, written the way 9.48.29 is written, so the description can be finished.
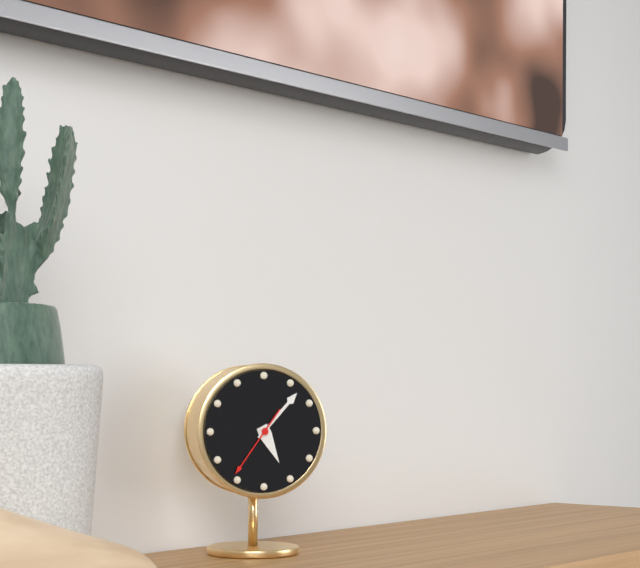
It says 5.07.36
